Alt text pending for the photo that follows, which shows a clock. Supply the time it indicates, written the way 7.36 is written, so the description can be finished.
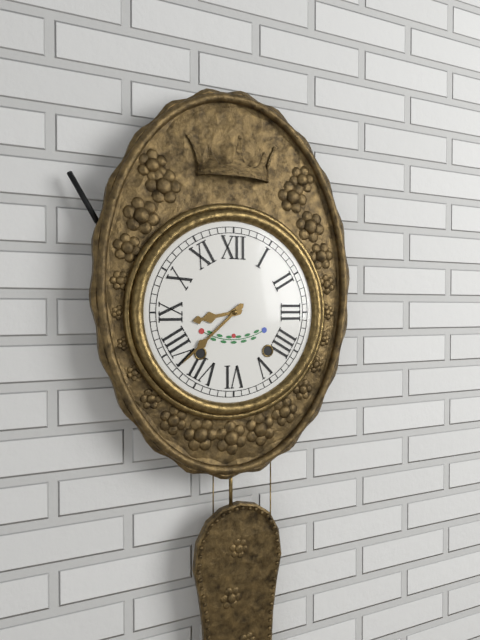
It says 8.38
